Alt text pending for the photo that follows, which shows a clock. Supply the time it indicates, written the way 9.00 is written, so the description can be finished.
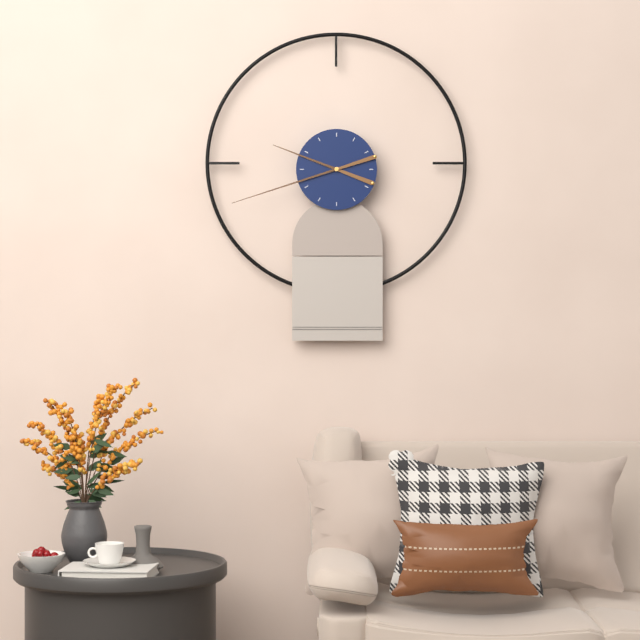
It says 9.42
